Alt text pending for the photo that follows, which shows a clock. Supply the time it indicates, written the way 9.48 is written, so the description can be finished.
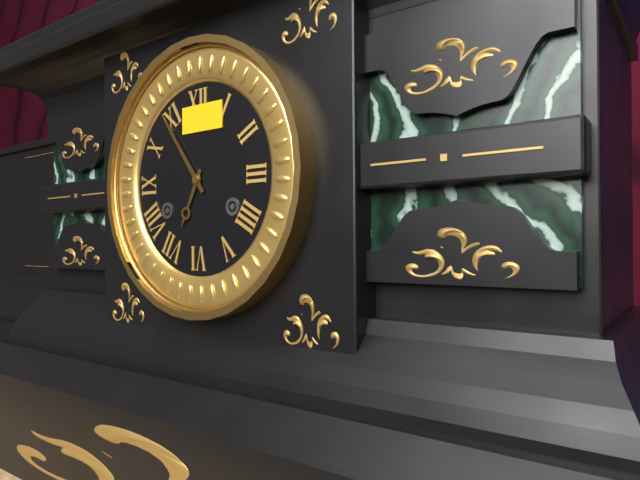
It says 6.54
